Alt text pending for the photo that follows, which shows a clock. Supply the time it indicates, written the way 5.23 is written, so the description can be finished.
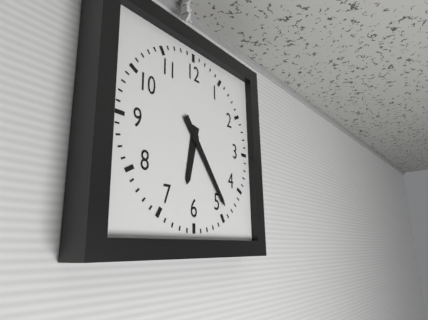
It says 6.24
